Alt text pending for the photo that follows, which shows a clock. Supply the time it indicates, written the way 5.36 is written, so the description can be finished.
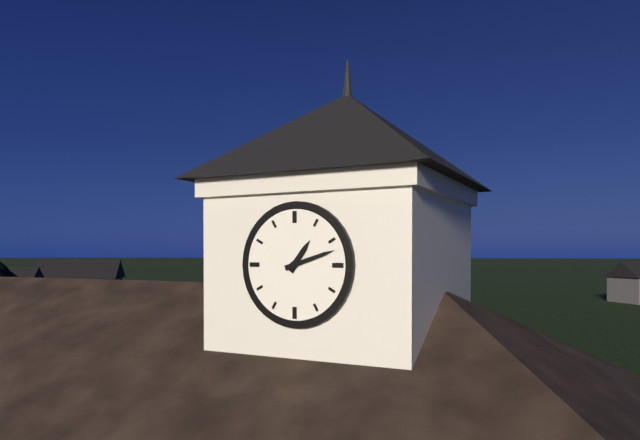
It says 1.12
